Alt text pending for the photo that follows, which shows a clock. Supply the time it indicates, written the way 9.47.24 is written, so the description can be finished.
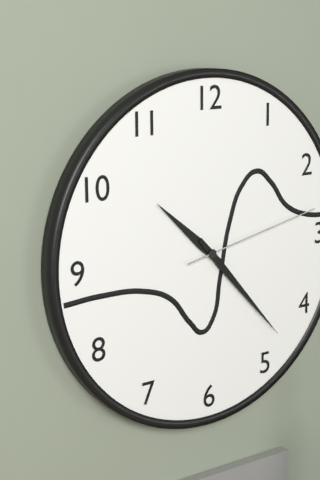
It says 10.23.13
